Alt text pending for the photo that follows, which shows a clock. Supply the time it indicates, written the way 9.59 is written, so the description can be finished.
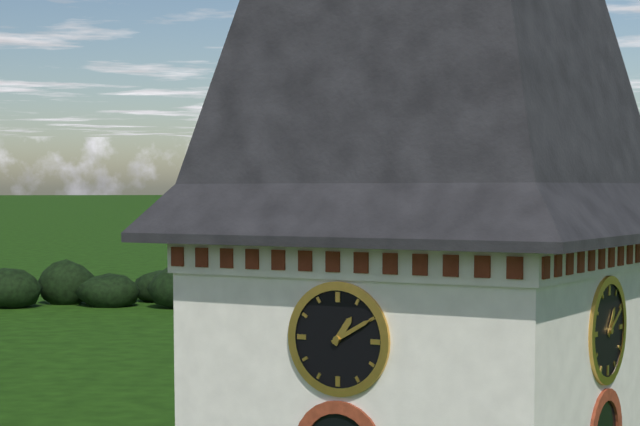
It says 1.10
